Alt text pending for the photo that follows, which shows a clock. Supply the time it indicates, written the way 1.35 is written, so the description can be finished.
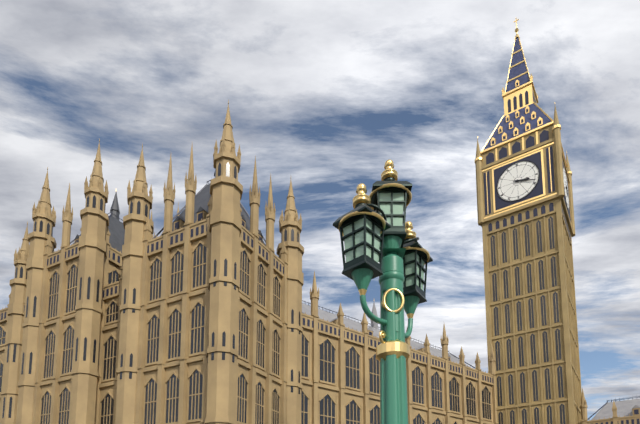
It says 3.18
